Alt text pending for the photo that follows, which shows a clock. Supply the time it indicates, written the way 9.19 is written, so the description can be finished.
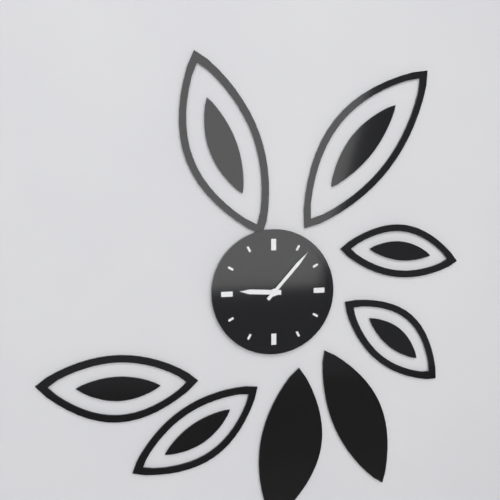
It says 9.07
